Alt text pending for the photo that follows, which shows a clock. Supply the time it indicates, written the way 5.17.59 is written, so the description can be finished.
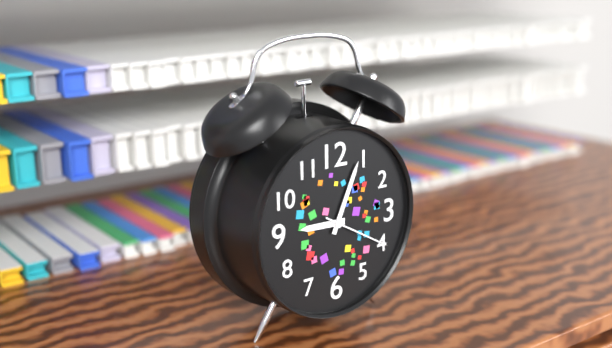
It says 9.04.20
